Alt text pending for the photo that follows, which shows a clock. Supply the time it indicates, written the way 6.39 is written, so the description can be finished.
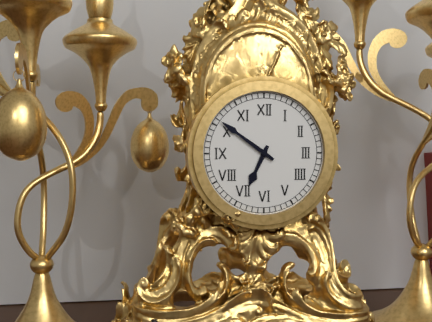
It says 6.51
